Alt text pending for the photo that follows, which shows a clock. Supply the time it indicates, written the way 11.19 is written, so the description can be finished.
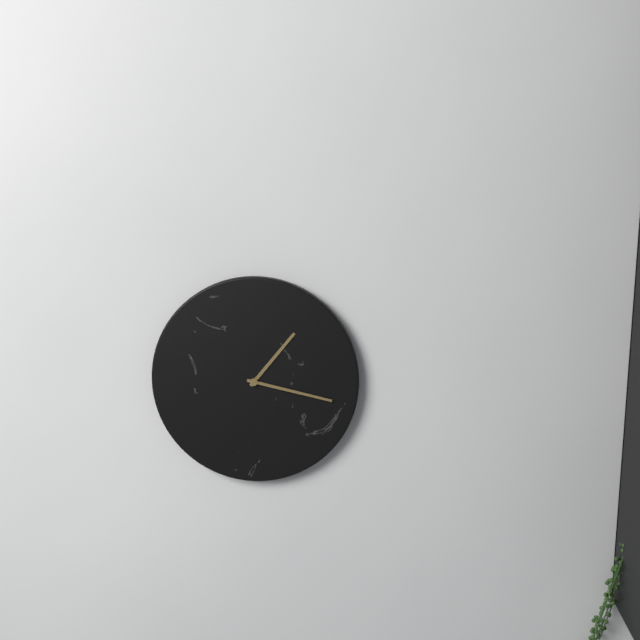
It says 1.17
